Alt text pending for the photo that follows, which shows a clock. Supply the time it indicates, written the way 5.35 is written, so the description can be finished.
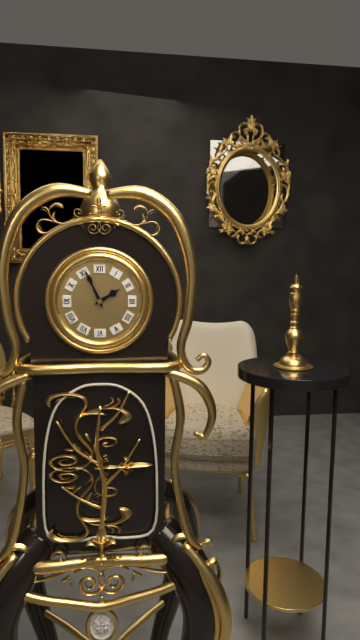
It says 1.56
